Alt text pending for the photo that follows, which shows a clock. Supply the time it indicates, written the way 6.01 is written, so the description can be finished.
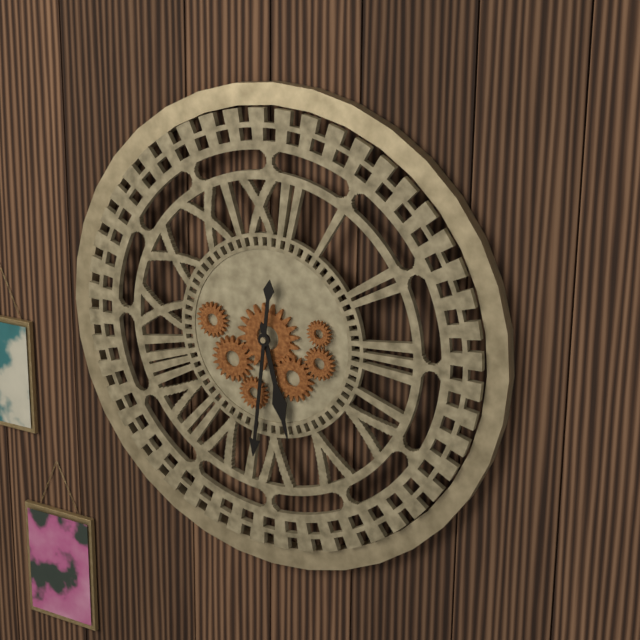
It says 5.31
